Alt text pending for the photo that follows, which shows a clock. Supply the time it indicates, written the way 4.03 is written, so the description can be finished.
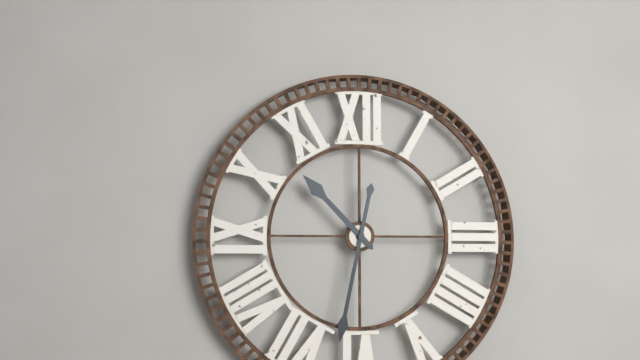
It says 10.32
